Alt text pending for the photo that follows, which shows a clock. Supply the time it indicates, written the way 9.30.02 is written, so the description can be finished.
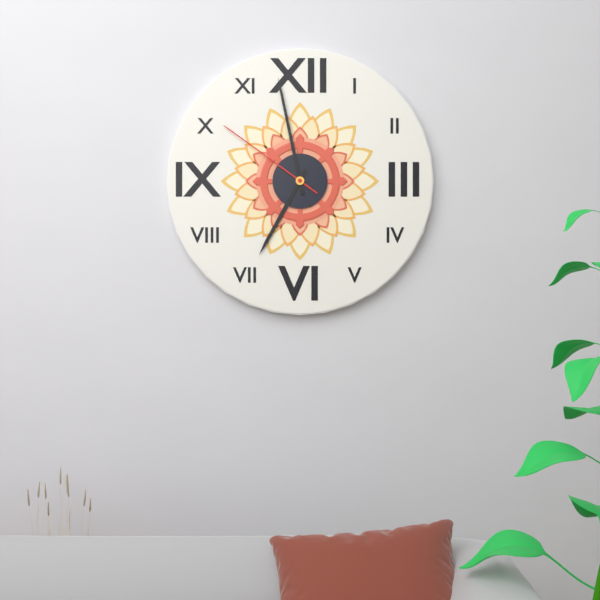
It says 6.58.51
